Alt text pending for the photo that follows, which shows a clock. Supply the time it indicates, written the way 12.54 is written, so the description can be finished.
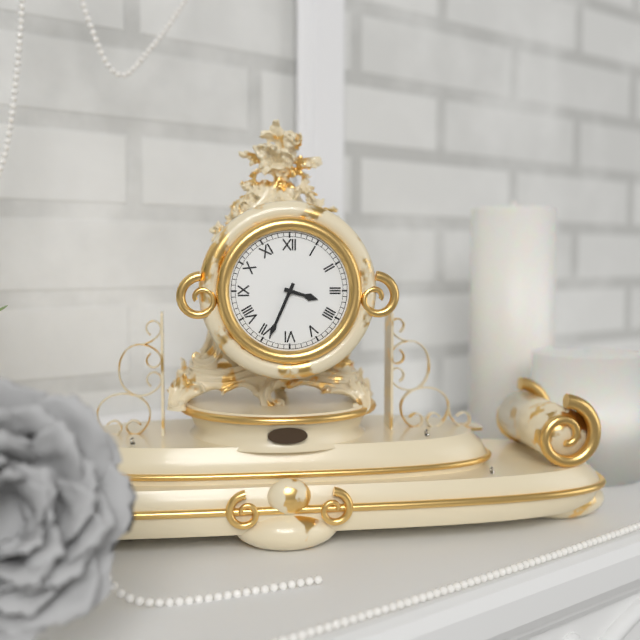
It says 3.34
